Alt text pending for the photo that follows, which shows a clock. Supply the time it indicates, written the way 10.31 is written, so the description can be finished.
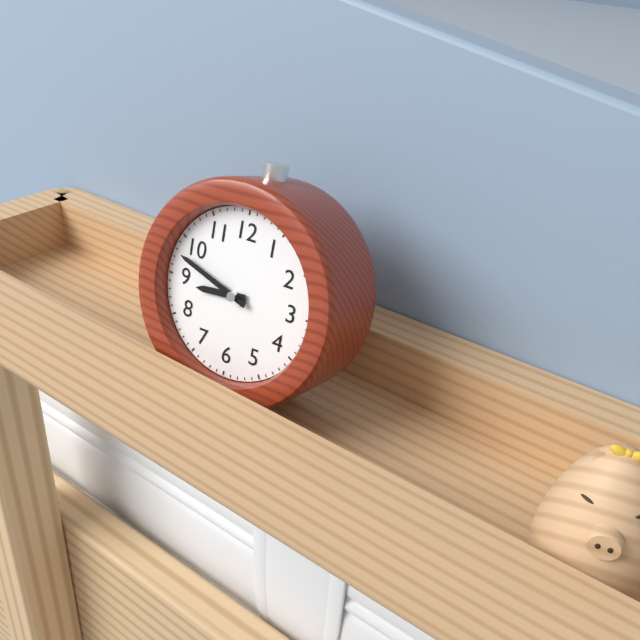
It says 8.48
